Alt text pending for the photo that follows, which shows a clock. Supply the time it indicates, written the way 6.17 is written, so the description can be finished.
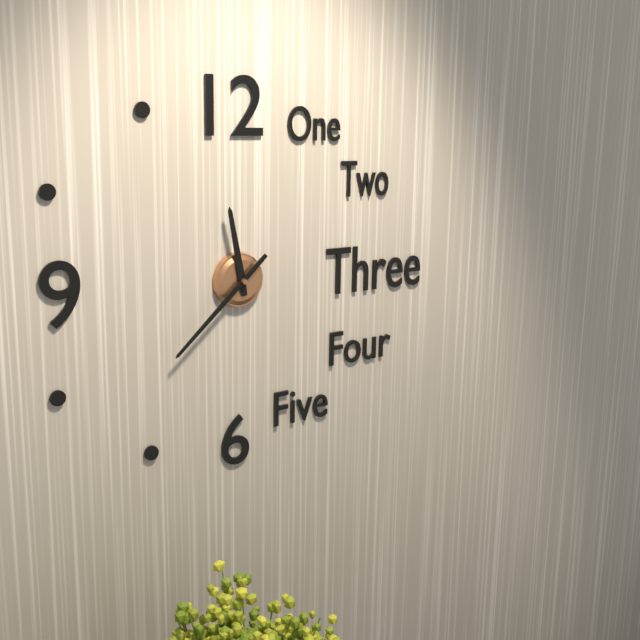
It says 11.38
